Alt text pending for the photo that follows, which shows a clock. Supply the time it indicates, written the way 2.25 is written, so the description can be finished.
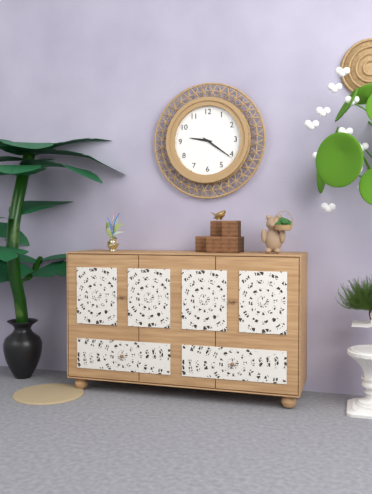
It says 9.21
